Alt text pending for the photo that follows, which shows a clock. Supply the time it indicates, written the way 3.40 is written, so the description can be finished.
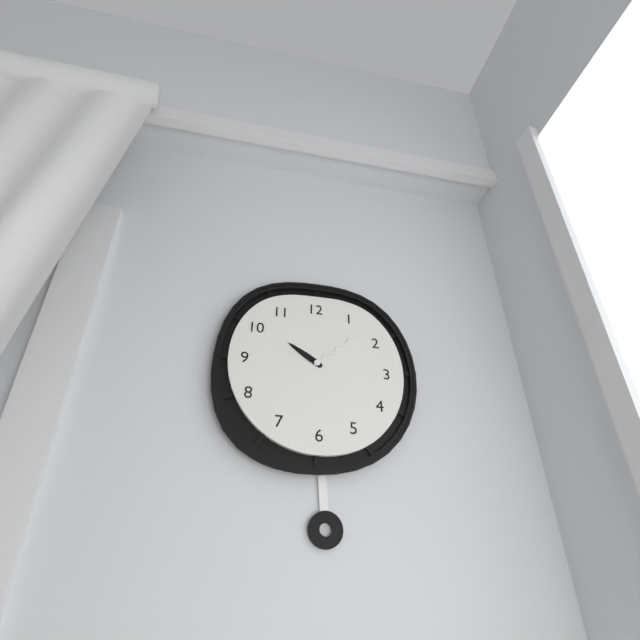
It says 10.08
